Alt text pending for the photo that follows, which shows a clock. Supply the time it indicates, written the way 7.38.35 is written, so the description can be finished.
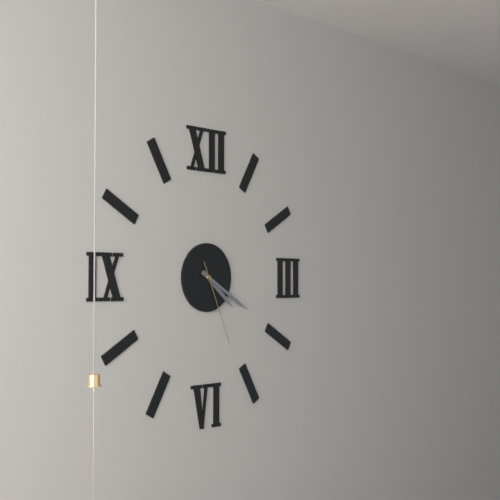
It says 4.20.26
